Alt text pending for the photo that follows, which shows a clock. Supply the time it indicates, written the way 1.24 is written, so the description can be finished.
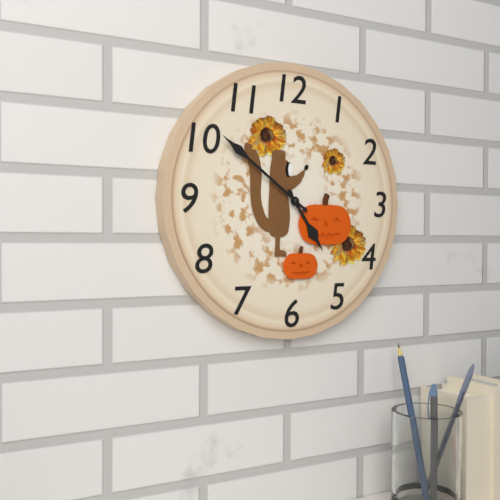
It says 4.51
